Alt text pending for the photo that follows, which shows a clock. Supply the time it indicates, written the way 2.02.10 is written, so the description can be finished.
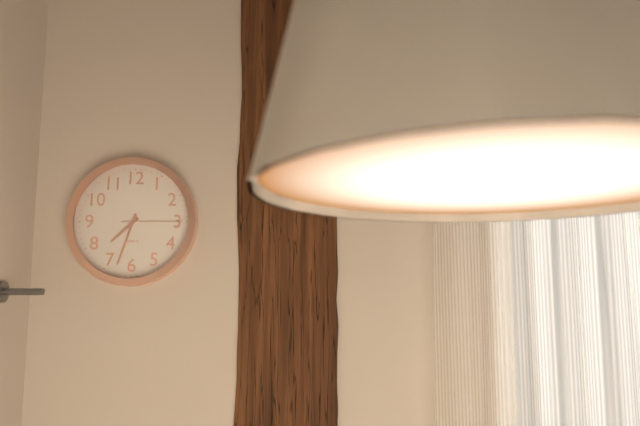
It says 7.33.15
